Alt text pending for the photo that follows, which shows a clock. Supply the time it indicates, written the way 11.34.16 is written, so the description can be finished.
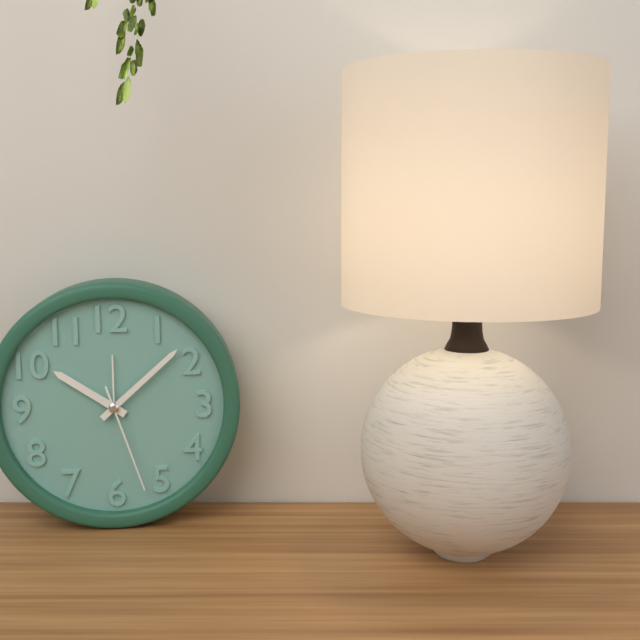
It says 10.08.27
